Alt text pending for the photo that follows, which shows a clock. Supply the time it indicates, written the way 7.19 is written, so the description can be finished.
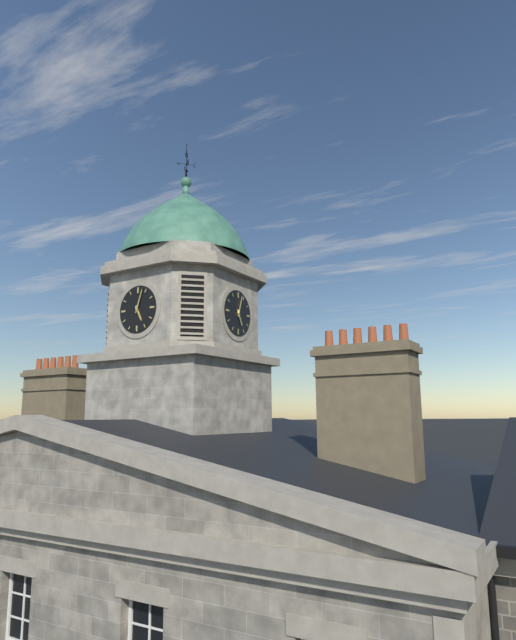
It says 5.03
